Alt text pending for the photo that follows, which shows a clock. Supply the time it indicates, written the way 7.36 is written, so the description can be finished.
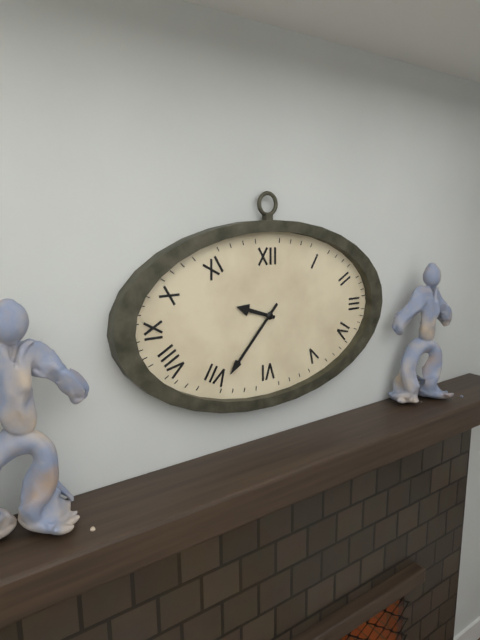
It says 9.37
